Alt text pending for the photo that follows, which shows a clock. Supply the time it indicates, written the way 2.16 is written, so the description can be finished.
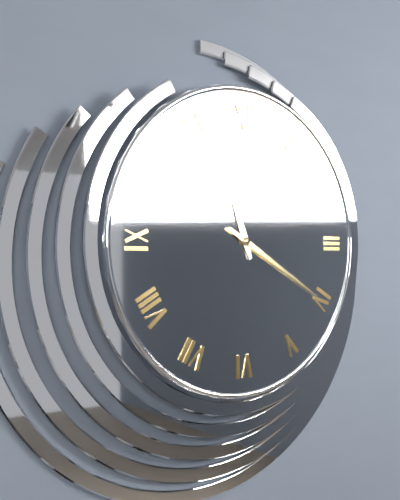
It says 11.20
